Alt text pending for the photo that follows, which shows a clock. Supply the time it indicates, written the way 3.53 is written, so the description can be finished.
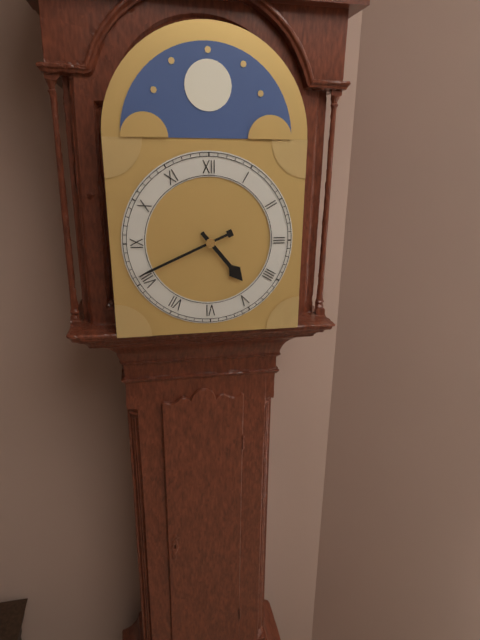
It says 4.41
